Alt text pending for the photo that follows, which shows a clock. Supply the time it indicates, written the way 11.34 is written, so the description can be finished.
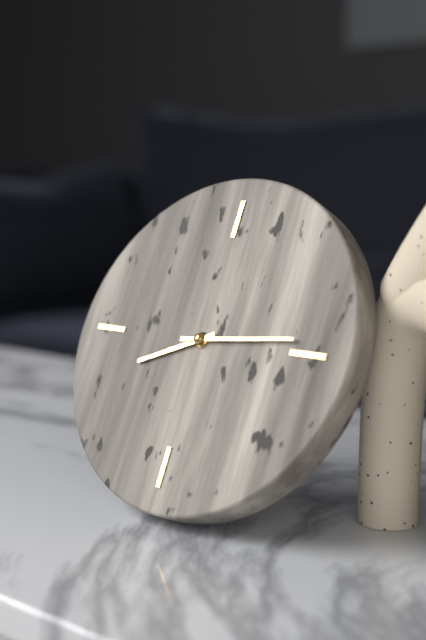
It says 8.14
